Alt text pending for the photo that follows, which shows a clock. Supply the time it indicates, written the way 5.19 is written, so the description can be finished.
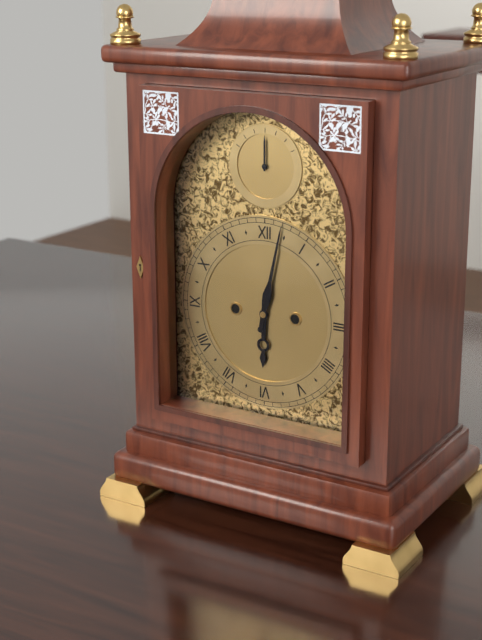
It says 6.02
